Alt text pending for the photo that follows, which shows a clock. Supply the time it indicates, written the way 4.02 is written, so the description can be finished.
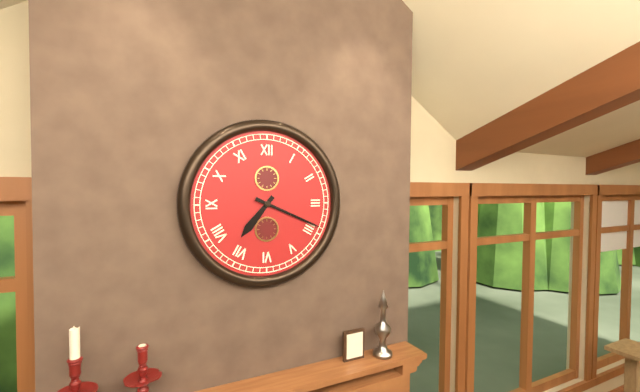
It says 7.19
